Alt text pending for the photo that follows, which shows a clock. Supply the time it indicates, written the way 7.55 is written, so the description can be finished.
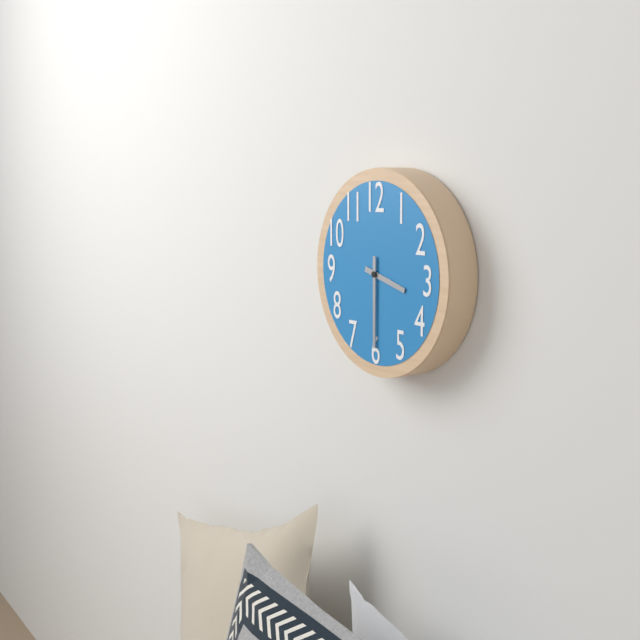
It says 3.30
